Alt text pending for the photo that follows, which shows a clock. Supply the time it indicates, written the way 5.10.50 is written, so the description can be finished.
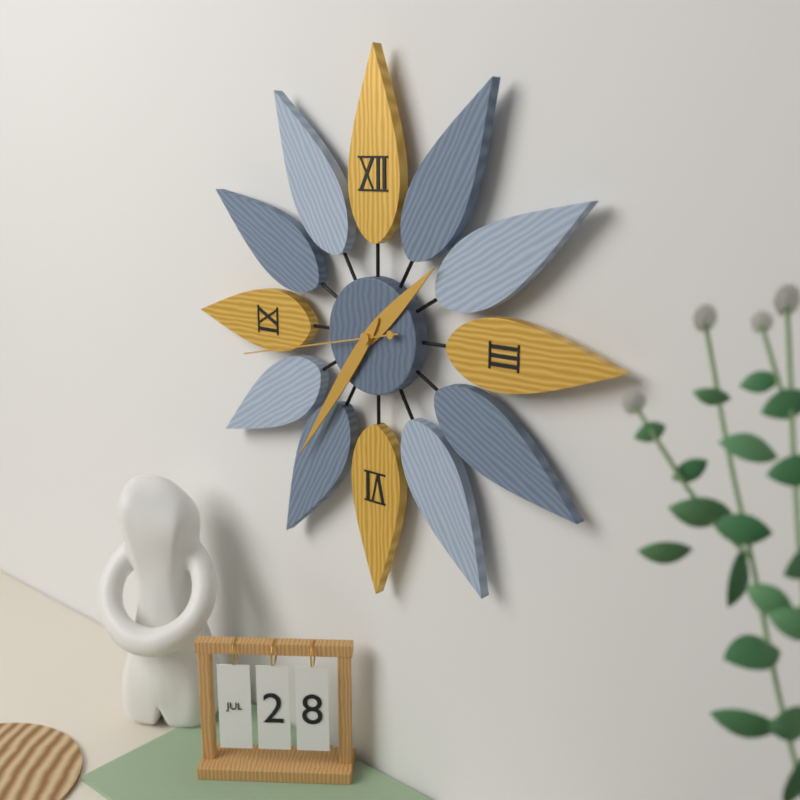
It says 1.36.43
